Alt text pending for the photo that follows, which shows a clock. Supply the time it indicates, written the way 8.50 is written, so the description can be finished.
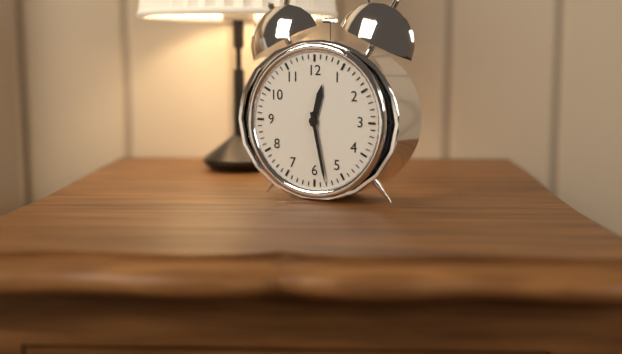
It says 12.28
